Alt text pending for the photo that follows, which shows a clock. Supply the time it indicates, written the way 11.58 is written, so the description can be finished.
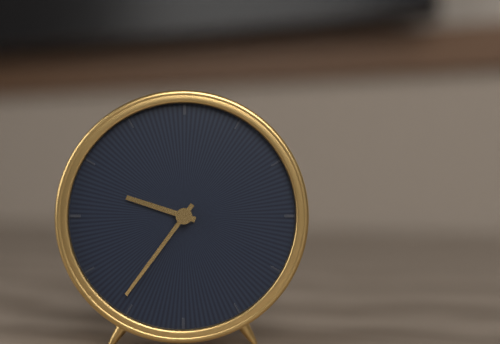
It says 9.36
